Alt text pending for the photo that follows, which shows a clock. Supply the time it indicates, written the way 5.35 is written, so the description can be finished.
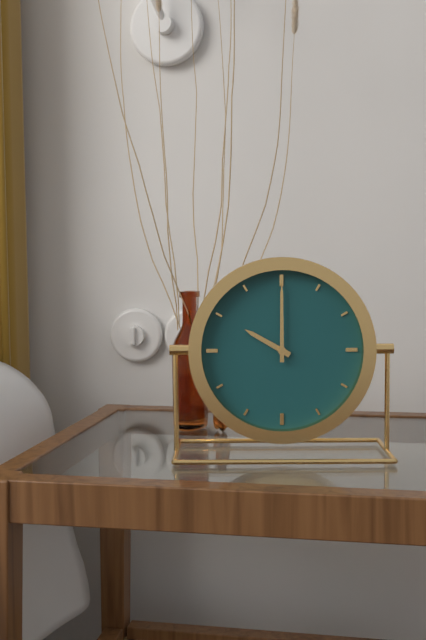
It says 10.00
